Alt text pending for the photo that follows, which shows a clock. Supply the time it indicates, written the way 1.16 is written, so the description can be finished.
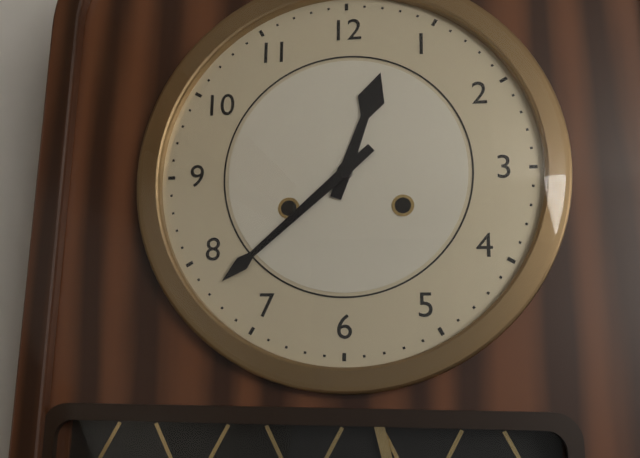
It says 12.38
